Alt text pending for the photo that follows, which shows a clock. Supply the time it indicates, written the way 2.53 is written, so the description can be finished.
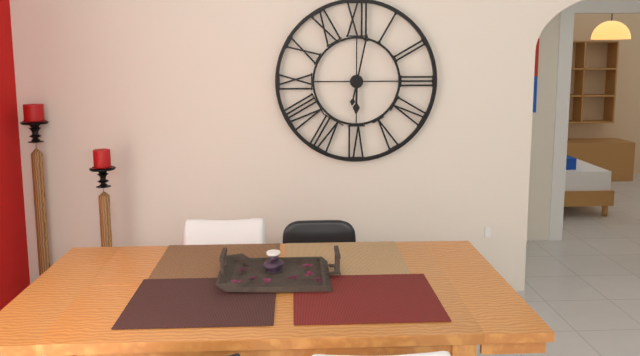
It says 6.02
